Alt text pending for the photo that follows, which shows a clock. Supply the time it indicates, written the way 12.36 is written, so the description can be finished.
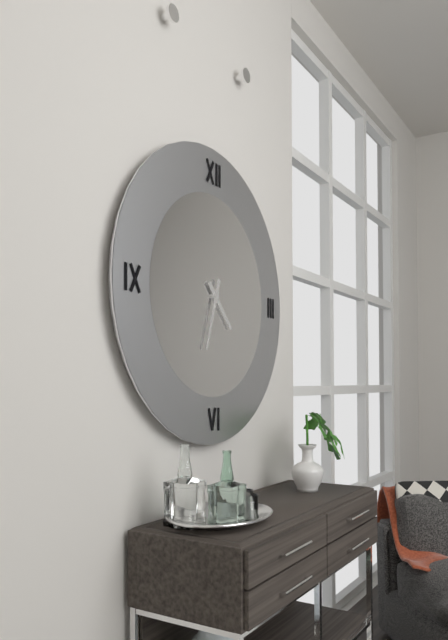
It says 4.33
